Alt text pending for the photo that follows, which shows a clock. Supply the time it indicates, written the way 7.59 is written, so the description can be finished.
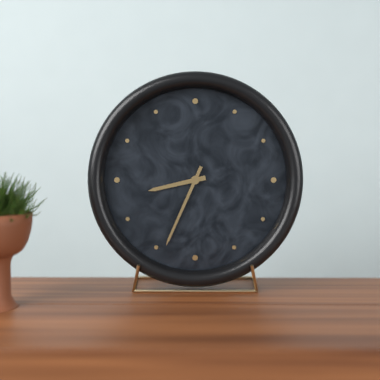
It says 8.34
